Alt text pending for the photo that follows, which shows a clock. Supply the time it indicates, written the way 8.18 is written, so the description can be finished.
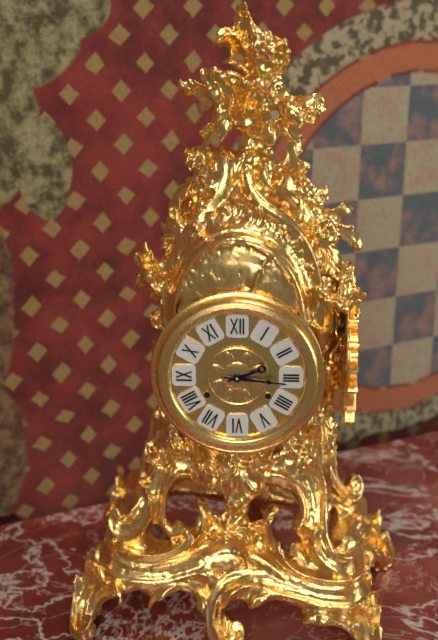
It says 2.16
